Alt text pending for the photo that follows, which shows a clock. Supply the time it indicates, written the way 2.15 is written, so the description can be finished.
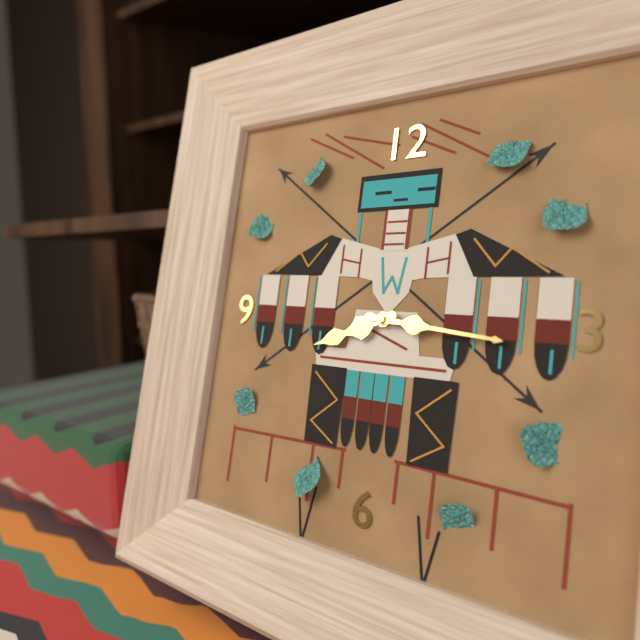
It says 8.16
